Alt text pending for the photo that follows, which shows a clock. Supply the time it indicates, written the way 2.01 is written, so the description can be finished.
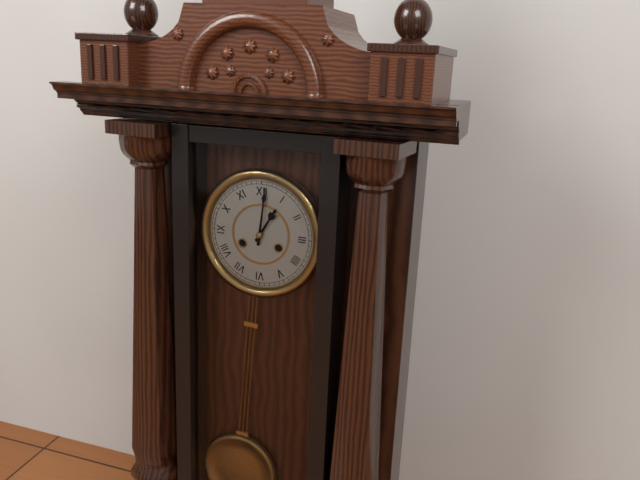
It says 1.01
